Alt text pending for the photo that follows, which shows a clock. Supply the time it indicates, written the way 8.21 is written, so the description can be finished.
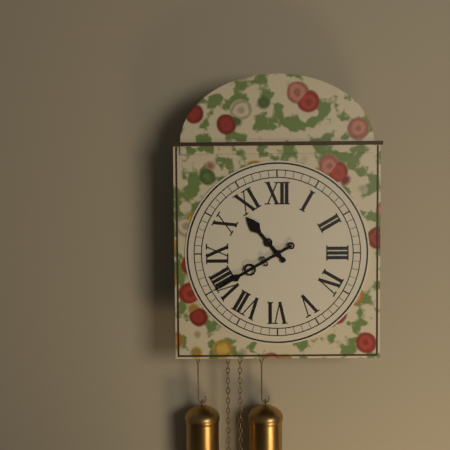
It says 10.40
